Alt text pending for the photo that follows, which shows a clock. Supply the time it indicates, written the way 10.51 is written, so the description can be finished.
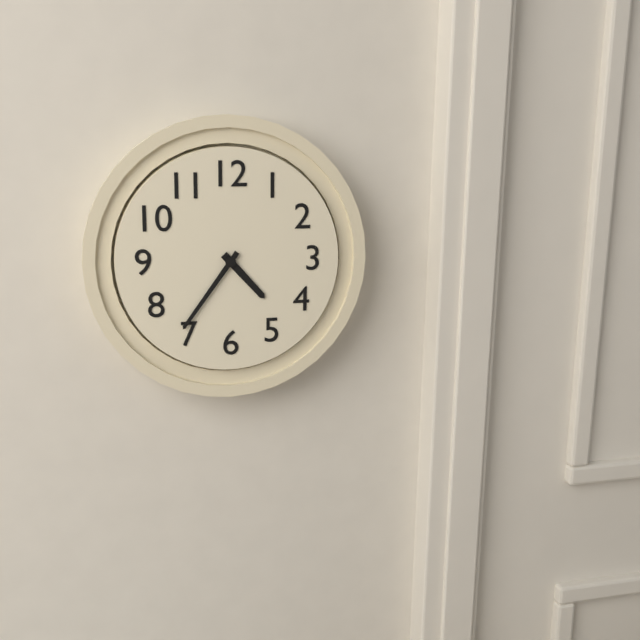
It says 4.36
